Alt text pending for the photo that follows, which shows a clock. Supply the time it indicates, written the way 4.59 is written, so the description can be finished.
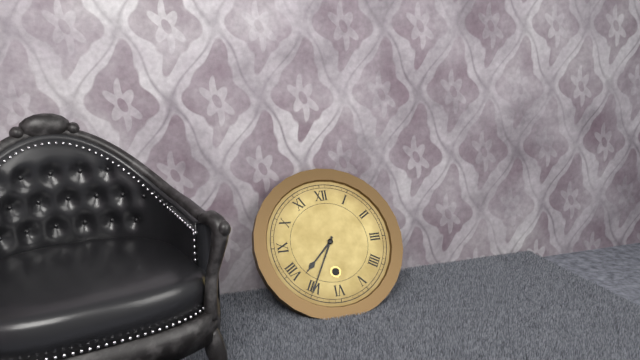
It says 7.35
